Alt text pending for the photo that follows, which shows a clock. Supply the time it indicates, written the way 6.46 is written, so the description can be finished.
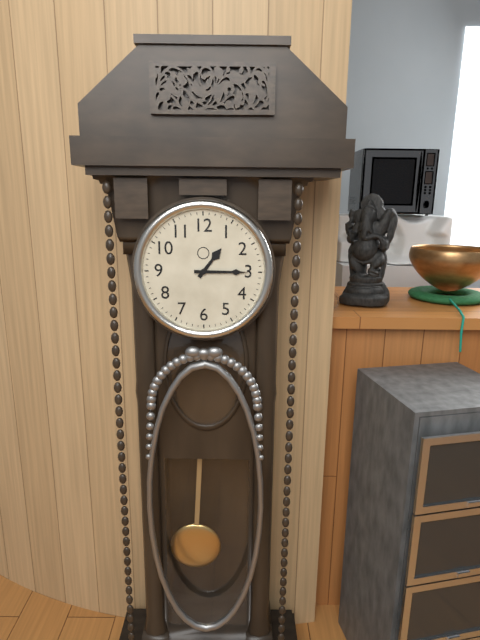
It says 1.15
